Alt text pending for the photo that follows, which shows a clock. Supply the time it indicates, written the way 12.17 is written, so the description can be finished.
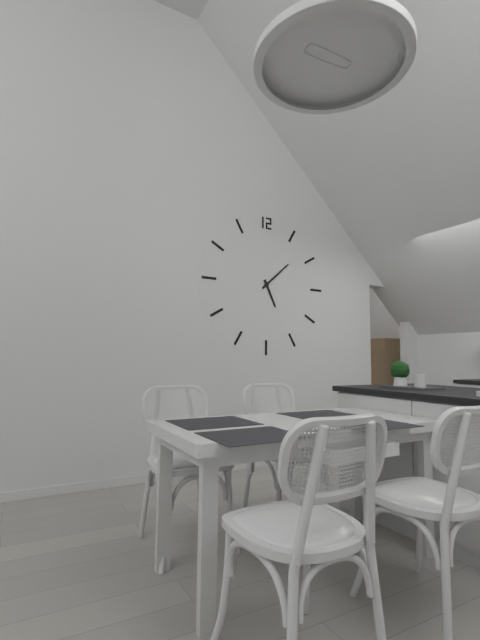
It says 5.08
